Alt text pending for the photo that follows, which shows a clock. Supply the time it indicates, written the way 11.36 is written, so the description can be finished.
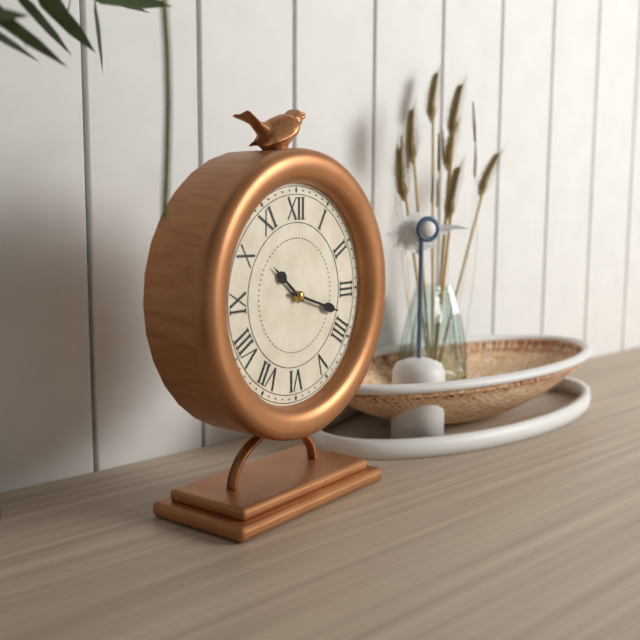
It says 10.18
